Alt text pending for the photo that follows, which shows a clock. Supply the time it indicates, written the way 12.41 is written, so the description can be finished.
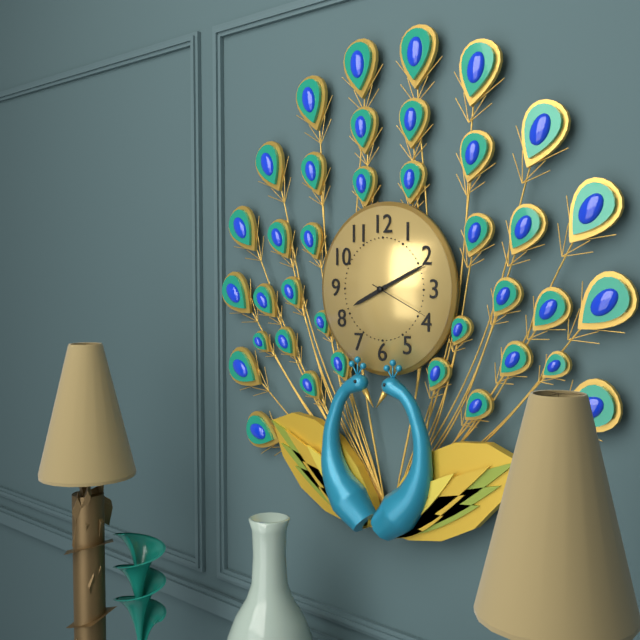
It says 8.11
